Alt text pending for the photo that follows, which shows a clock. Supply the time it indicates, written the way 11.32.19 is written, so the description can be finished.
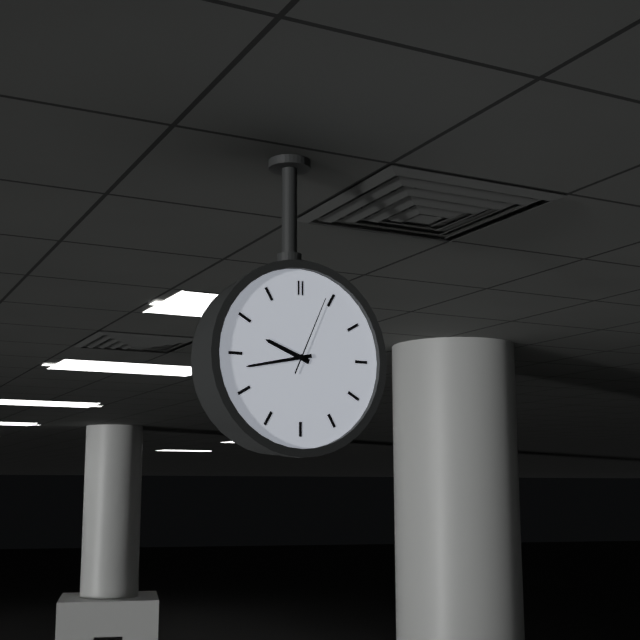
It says 9.43.04
